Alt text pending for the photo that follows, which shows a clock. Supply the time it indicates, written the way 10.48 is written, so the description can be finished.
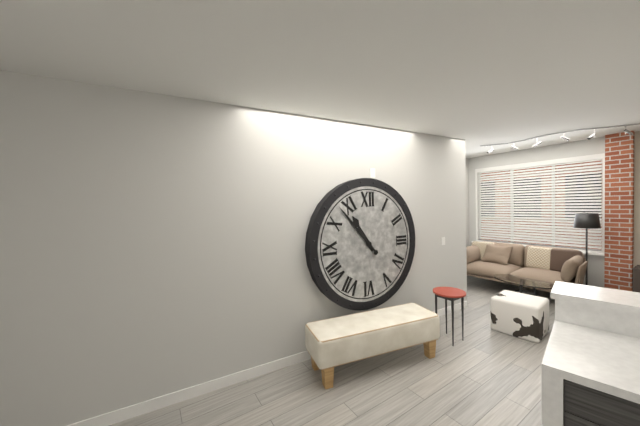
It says 10.53
